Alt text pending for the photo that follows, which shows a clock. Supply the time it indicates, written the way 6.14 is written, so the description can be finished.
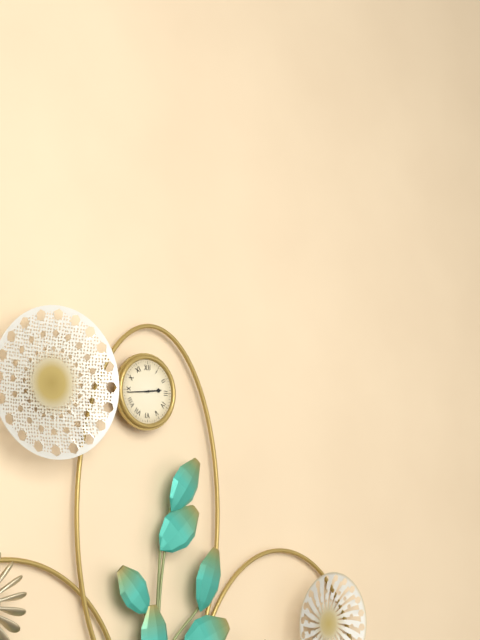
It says 2.44
